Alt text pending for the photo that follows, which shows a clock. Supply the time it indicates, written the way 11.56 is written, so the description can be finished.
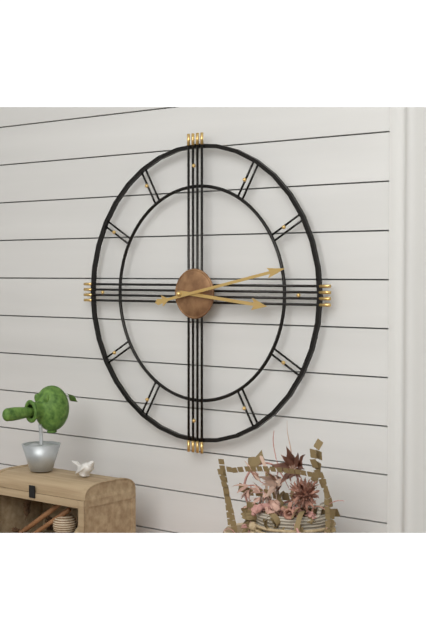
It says 3.13
